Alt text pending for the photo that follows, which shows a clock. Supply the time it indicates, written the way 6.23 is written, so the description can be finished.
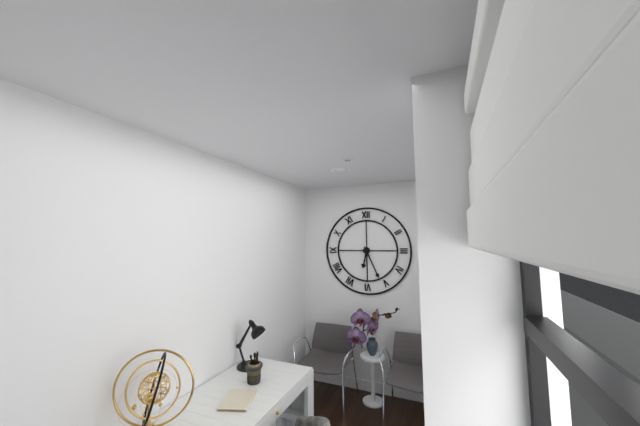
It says 6.26
